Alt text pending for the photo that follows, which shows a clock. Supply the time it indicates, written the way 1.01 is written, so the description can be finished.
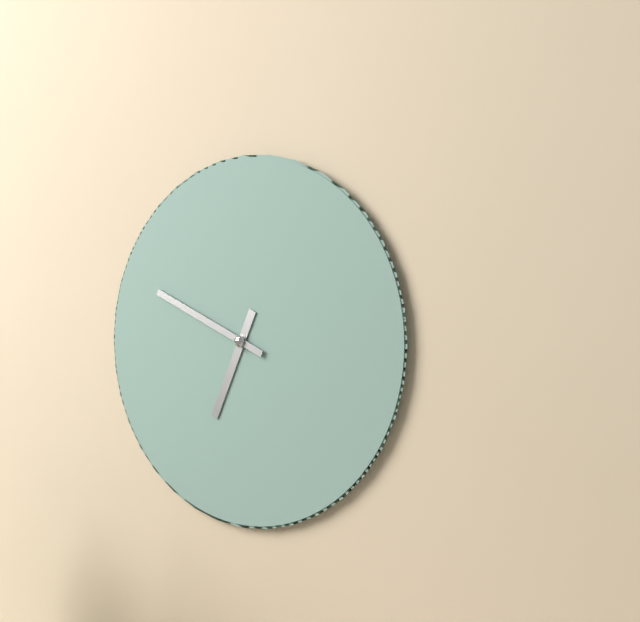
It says 6.49
